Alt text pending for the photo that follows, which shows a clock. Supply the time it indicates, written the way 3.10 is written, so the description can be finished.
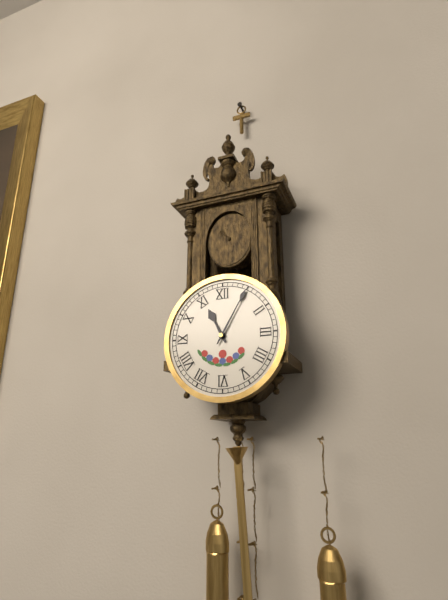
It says 11.05
